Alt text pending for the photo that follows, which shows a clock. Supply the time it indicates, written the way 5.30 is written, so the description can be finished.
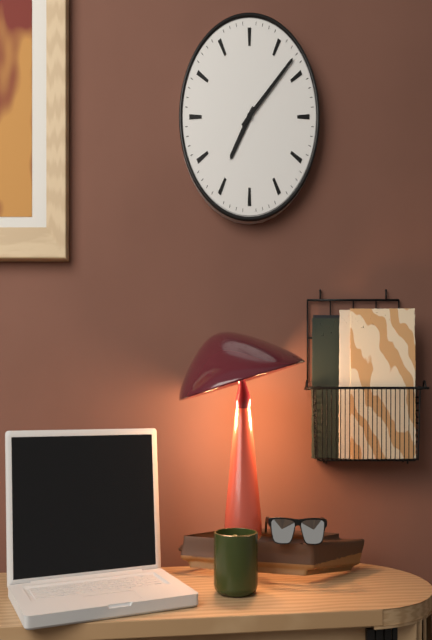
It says 7.08
